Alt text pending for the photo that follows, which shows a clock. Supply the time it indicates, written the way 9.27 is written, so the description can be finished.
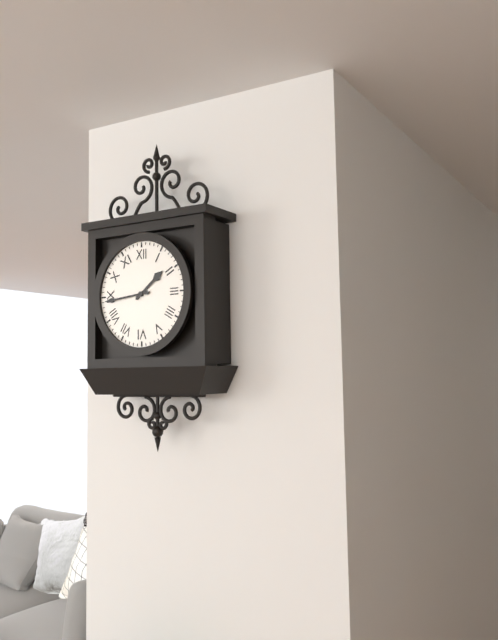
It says 1.44
